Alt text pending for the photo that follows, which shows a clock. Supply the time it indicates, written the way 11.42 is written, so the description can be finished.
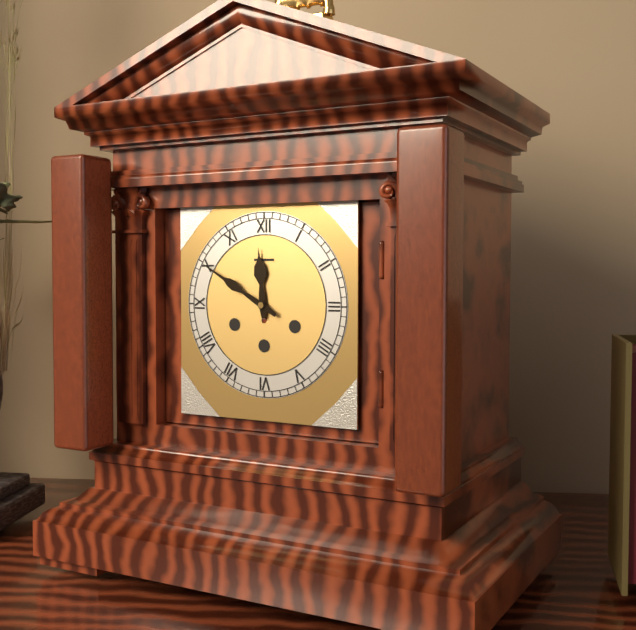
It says 11.50
